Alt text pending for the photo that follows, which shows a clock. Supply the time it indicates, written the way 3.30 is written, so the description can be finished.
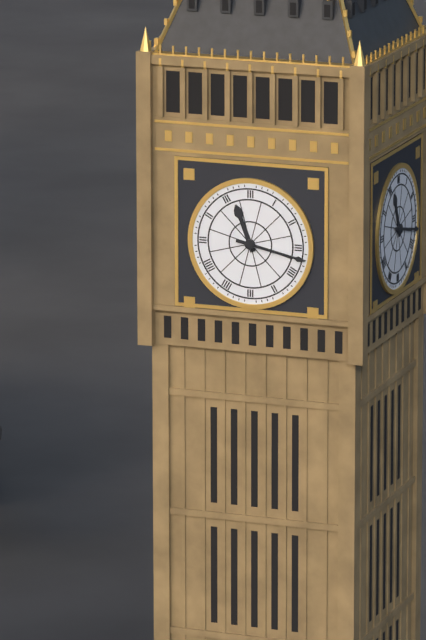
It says 11.17
